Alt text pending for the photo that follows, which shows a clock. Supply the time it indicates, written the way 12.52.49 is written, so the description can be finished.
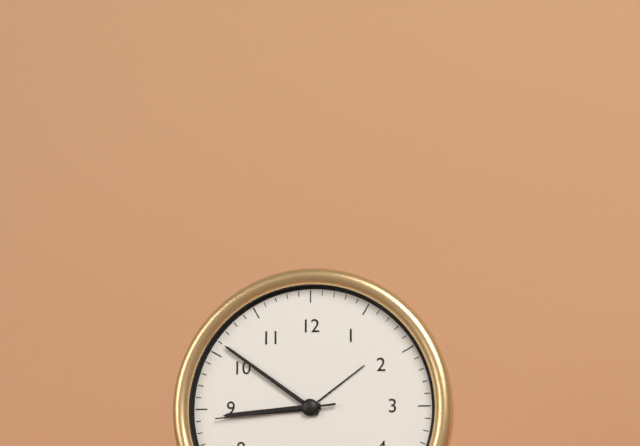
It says 8.51.44
